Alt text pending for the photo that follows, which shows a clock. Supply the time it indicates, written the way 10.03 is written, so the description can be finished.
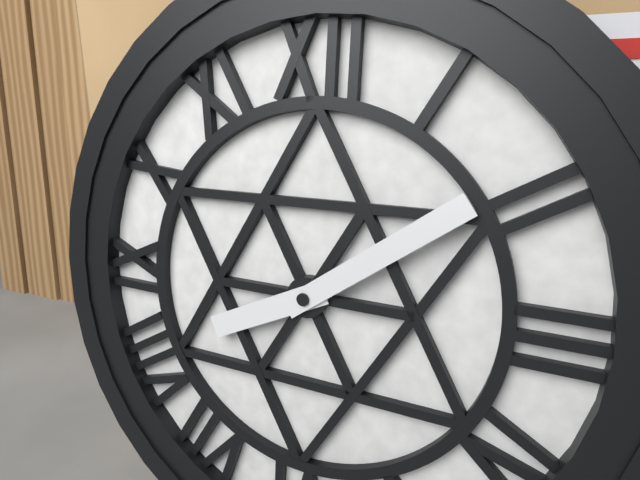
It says 8.09
